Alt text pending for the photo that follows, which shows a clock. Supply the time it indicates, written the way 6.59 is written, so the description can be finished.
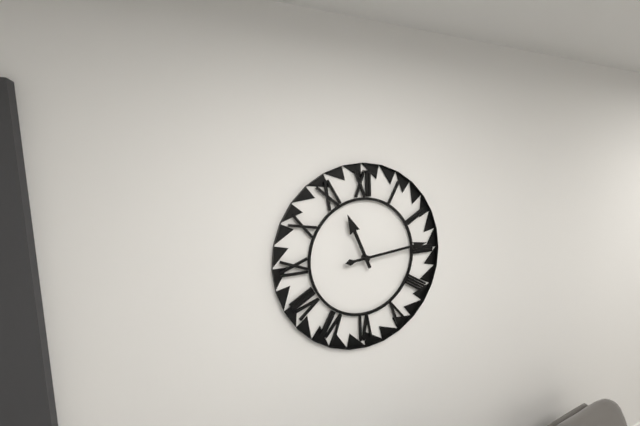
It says 11.14
